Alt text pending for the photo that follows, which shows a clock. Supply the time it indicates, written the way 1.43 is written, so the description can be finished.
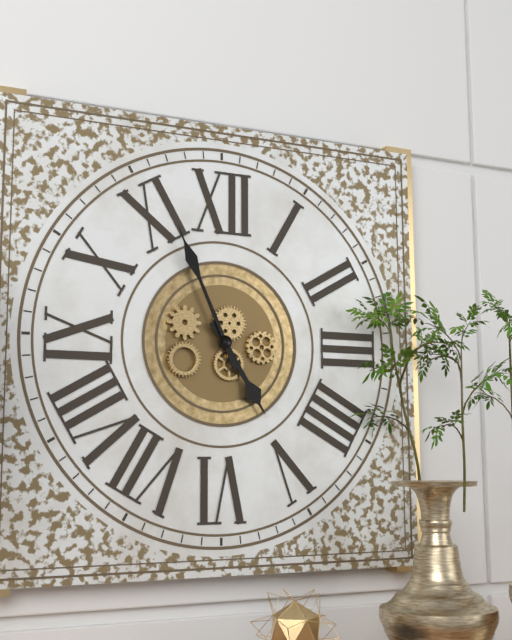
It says 4.56
